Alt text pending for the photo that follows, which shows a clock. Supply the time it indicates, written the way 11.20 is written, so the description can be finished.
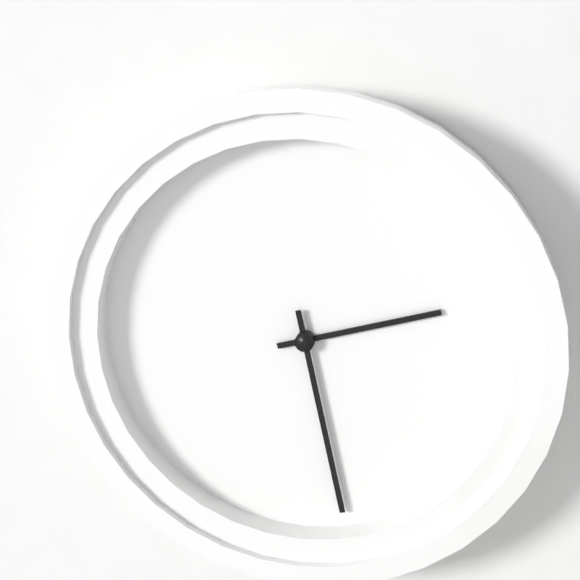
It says 2.28
